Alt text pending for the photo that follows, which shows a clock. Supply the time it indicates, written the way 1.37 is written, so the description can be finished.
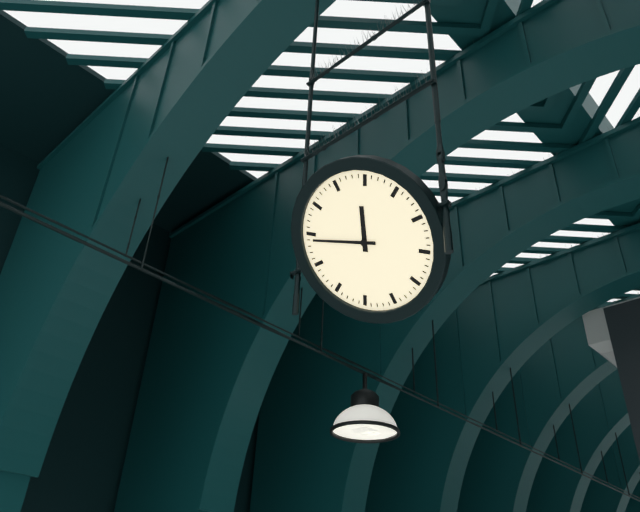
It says 12.49
